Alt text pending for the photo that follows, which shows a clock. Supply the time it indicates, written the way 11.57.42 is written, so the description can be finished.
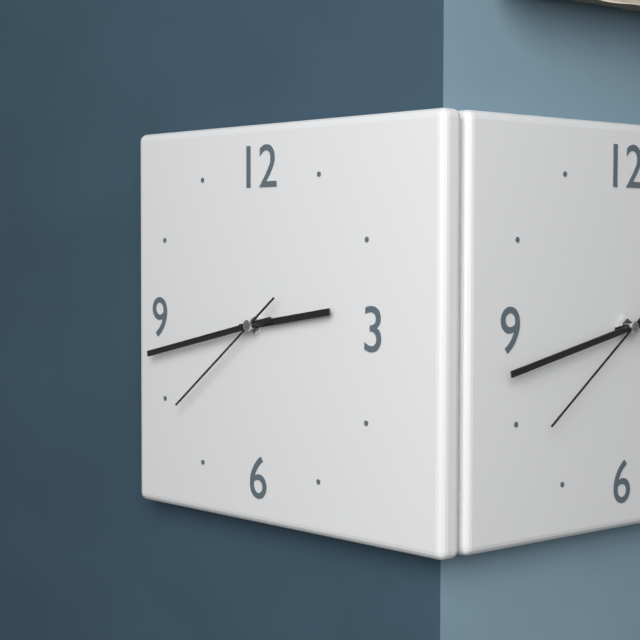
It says 2.43.39
